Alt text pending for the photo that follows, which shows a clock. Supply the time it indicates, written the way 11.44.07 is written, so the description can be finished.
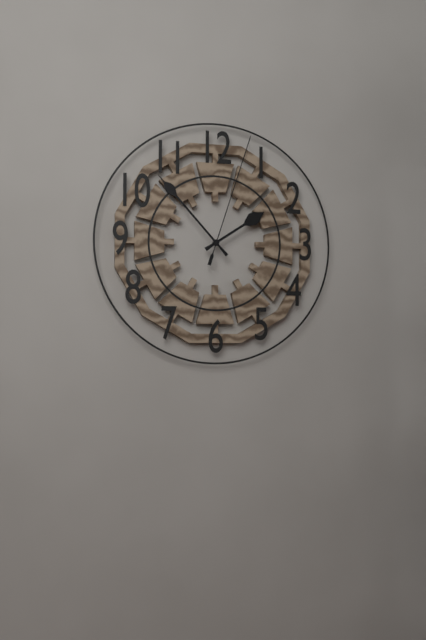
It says 1.53.03
